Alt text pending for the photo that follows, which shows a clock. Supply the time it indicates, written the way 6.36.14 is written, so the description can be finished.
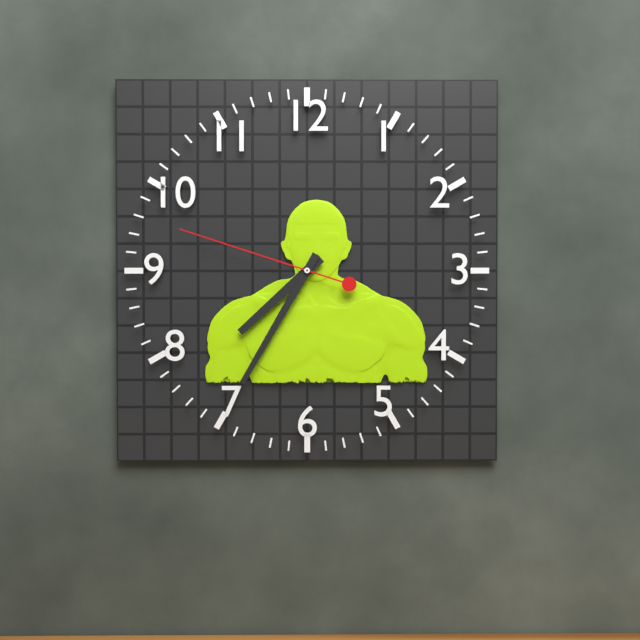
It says 7.35.48
